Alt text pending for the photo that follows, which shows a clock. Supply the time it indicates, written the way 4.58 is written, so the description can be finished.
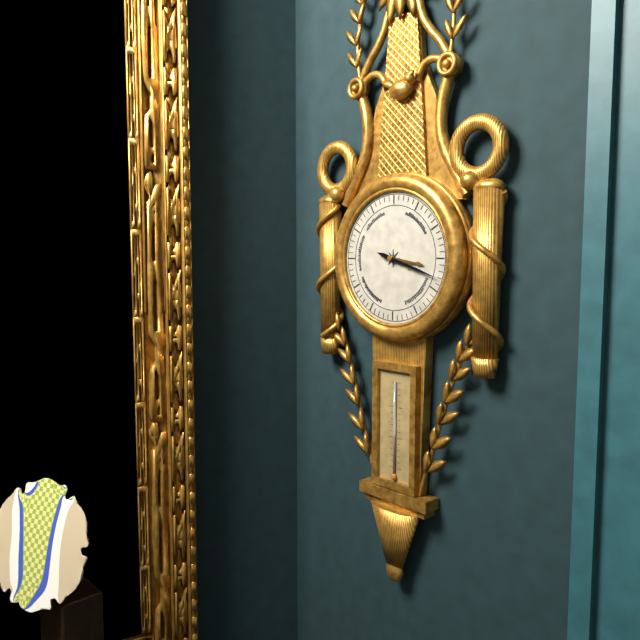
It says 3.18
